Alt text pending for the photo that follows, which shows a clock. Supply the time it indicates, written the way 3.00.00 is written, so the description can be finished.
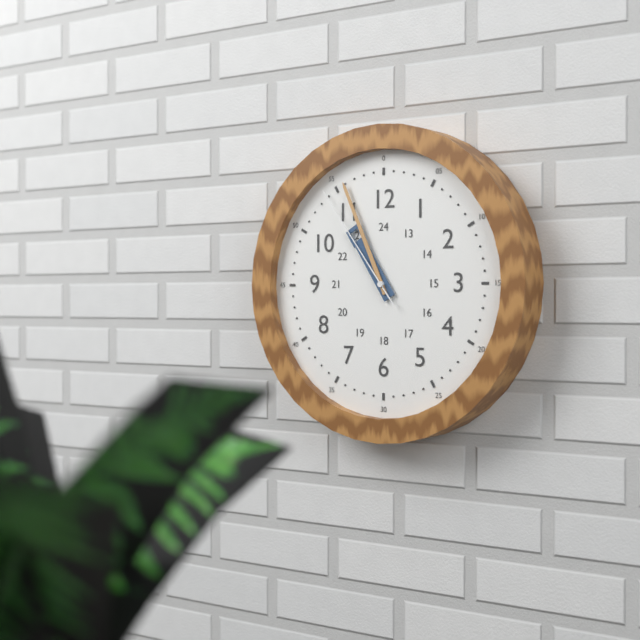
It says 10.56.54
